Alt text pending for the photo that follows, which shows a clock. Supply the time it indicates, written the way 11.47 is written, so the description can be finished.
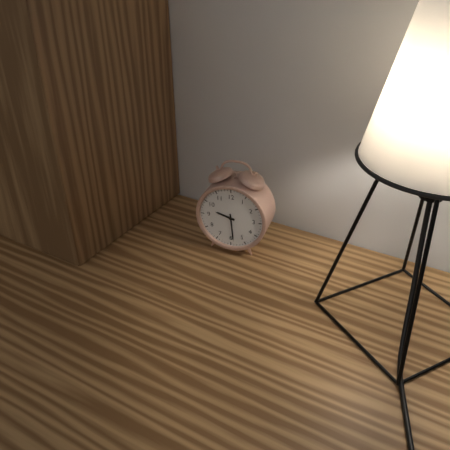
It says 9.29
